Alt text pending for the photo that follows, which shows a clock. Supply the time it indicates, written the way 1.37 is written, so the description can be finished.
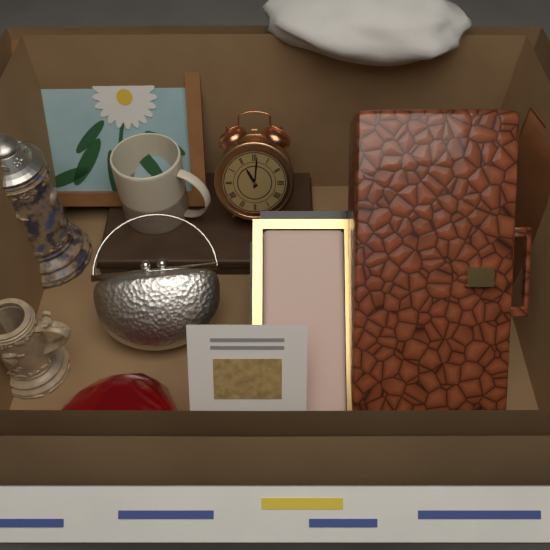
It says 11.01
